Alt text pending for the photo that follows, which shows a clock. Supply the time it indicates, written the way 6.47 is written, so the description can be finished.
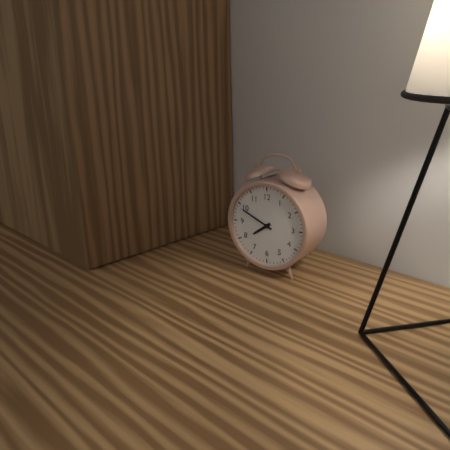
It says 7.49
